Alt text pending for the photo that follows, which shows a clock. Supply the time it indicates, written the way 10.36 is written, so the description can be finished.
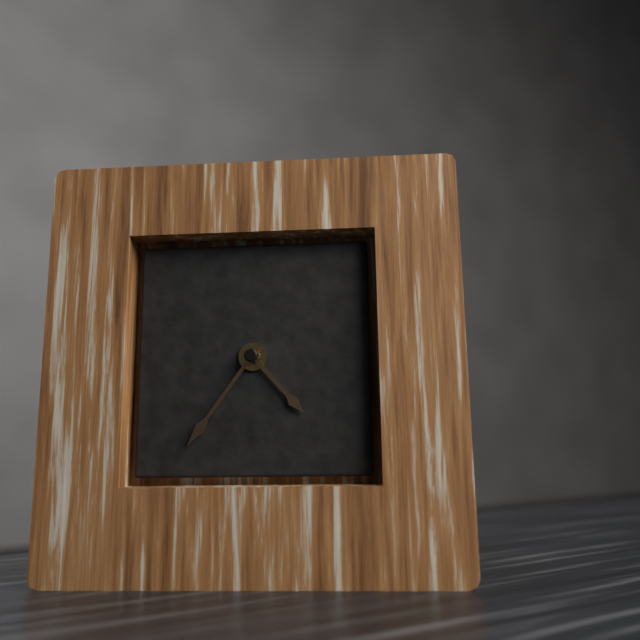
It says 4.36
